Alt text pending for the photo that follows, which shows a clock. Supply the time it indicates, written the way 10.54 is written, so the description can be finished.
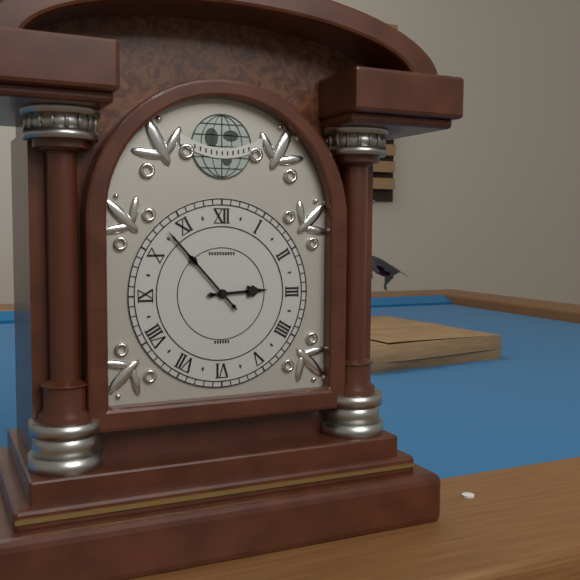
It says 2.53
